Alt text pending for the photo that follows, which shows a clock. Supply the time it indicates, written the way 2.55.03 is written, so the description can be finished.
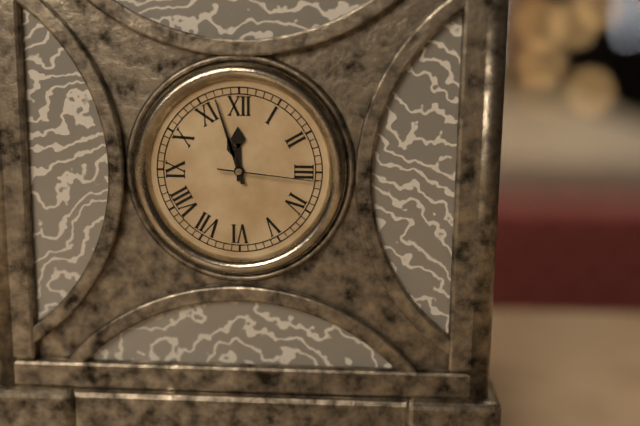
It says 11.57.16
